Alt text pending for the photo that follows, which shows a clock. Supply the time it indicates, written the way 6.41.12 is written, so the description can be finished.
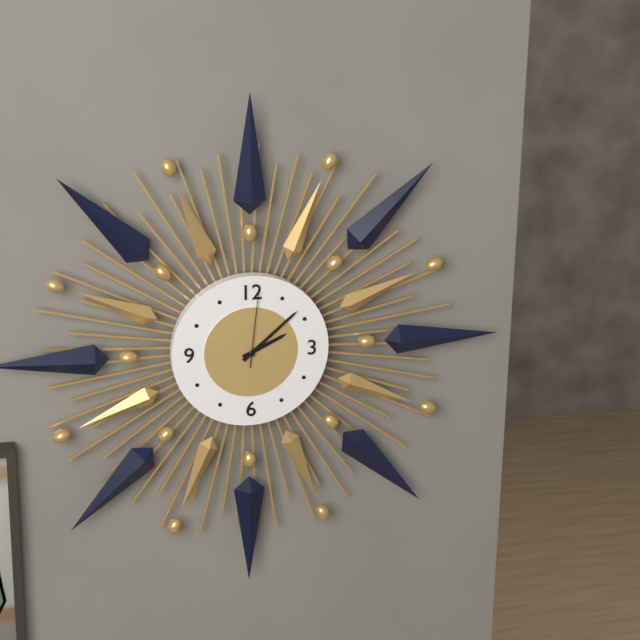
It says 2.08.01
